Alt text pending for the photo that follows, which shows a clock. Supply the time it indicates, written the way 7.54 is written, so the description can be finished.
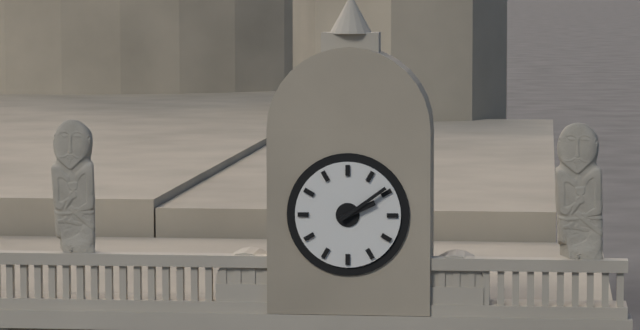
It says 2.09
